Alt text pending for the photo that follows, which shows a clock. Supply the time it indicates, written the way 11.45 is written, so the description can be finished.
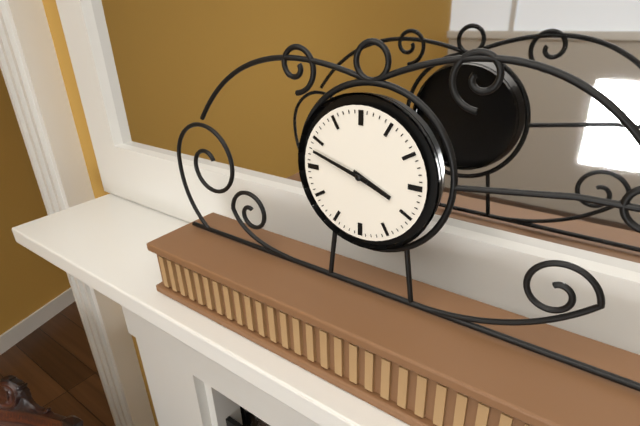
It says 3.48
